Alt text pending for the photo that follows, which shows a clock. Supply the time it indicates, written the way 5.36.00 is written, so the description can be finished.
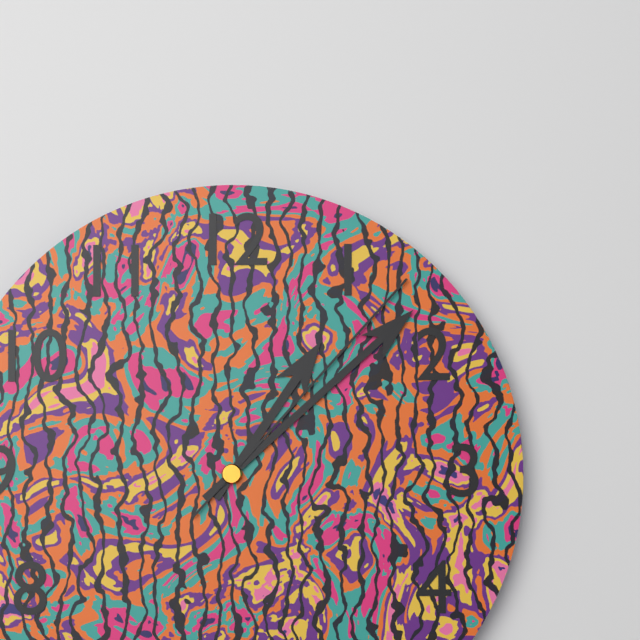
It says 1.08.07
